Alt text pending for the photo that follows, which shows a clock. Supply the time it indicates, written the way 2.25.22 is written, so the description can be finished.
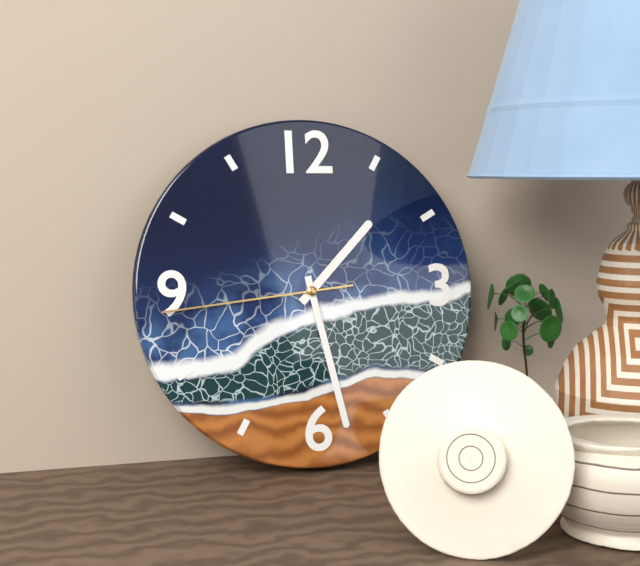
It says 1.28.44
